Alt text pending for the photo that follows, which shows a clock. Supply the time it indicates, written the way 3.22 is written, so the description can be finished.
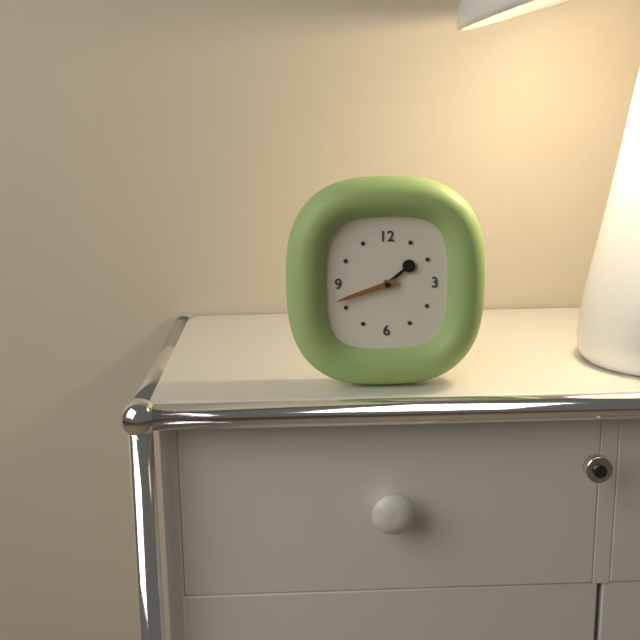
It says 1.42
